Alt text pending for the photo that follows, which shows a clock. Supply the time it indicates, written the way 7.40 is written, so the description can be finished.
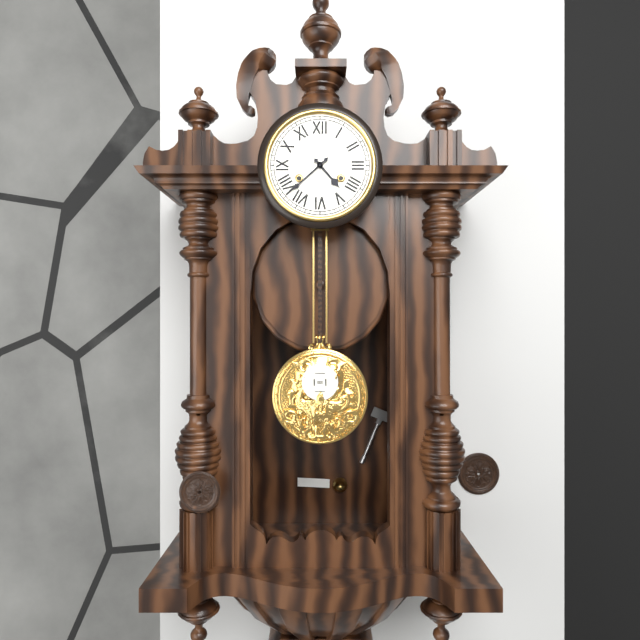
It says 4.38
